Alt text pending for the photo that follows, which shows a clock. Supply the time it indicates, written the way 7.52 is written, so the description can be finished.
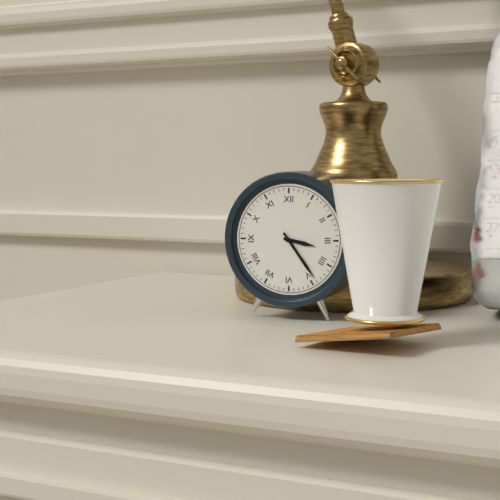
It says 3.24
